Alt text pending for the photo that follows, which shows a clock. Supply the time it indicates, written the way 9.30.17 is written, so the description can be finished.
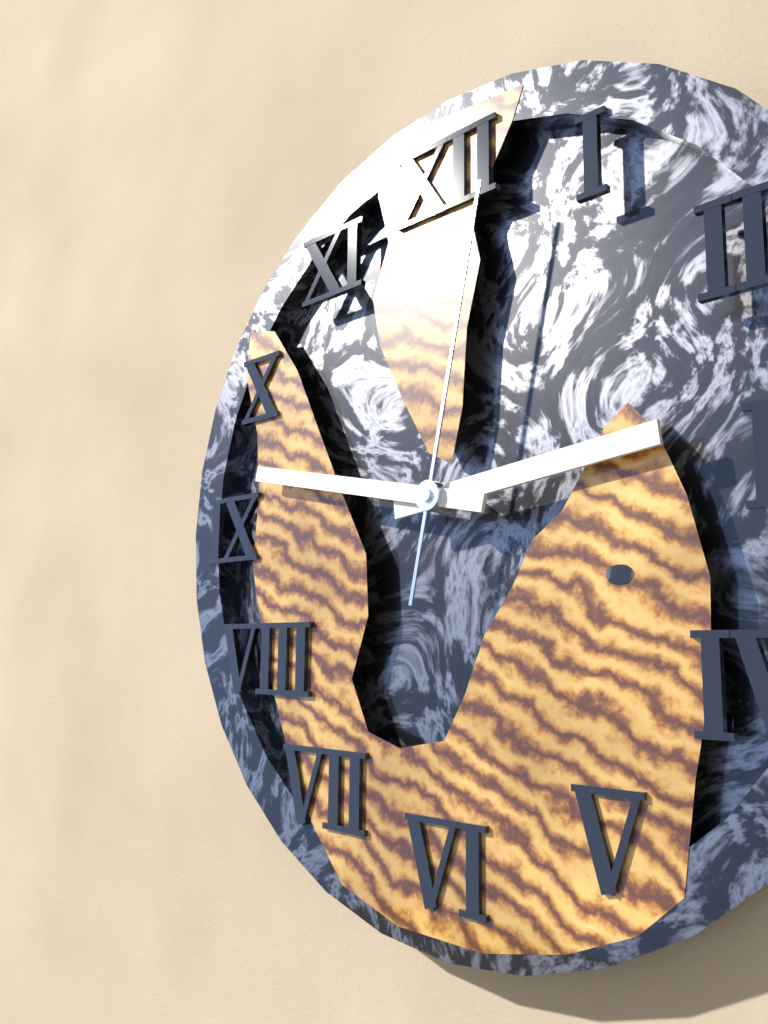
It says 2.47.02
